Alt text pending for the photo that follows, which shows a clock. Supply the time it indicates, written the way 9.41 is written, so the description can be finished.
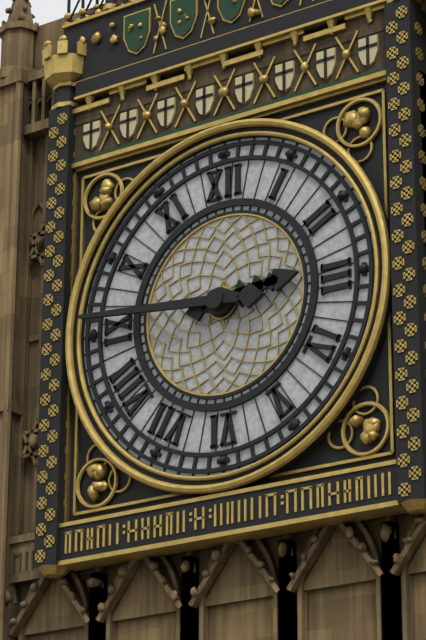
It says 2.46
